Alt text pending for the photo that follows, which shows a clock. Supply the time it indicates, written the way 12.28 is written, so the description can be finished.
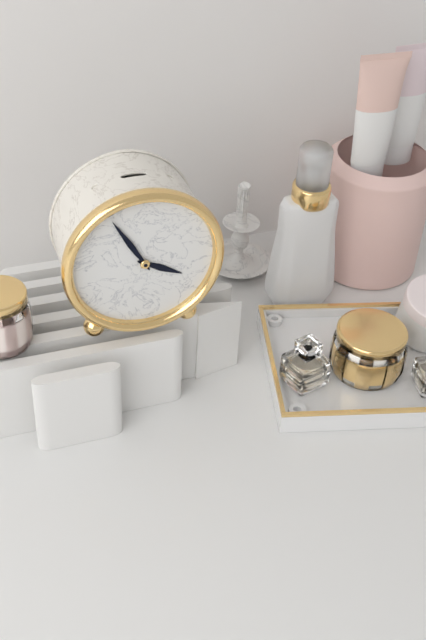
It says 3.55
